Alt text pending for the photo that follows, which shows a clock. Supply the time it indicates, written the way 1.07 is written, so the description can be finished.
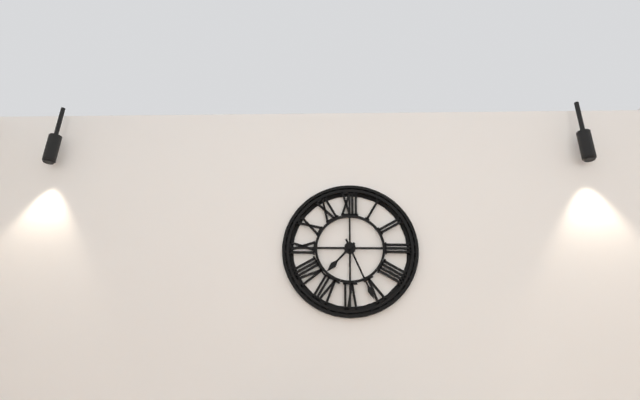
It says 7.26
